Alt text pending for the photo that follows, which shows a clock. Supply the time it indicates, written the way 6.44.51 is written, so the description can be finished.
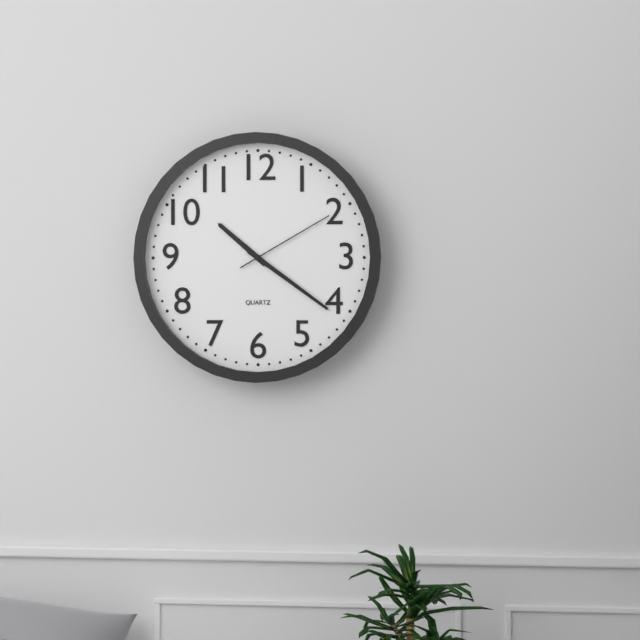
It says 10.21.10
